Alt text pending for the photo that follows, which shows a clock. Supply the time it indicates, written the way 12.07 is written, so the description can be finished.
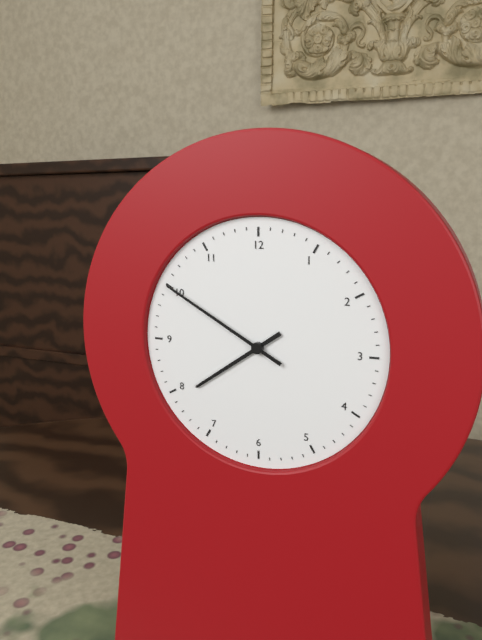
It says 7.50
